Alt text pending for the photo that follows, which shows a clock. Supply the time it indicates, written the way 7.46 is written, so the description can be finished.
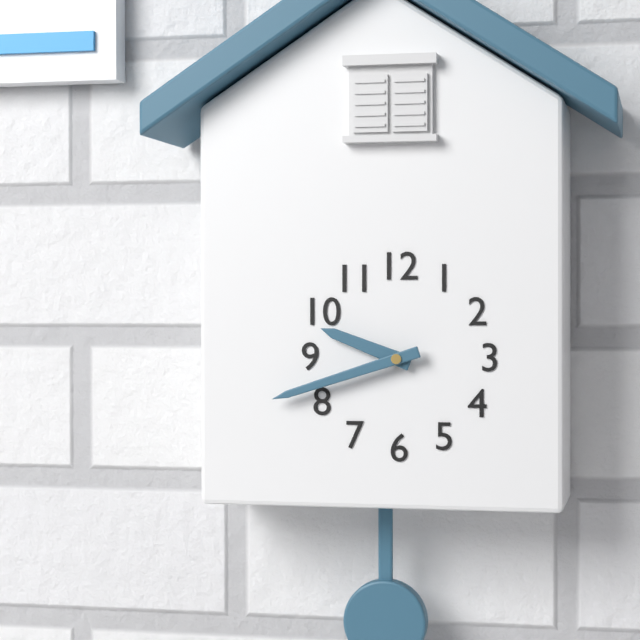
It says 9.42
